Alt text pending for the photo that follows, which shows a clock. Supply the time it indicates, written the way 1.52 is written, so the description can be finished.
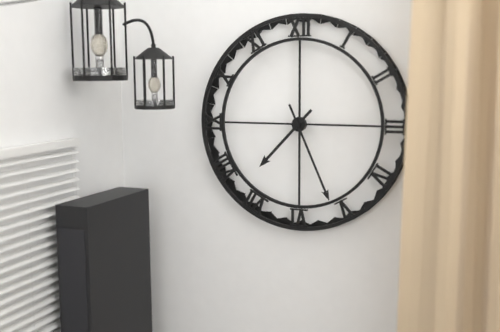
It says 7.26
